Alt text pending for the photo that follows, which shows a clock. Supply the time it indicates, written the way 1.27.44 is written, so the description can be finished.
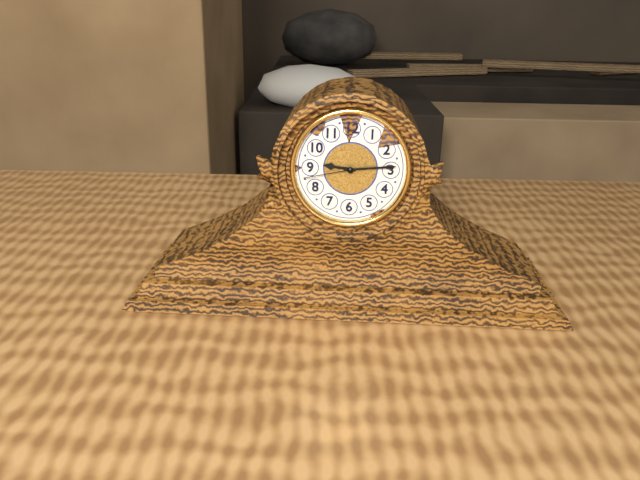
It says 9.14.43
